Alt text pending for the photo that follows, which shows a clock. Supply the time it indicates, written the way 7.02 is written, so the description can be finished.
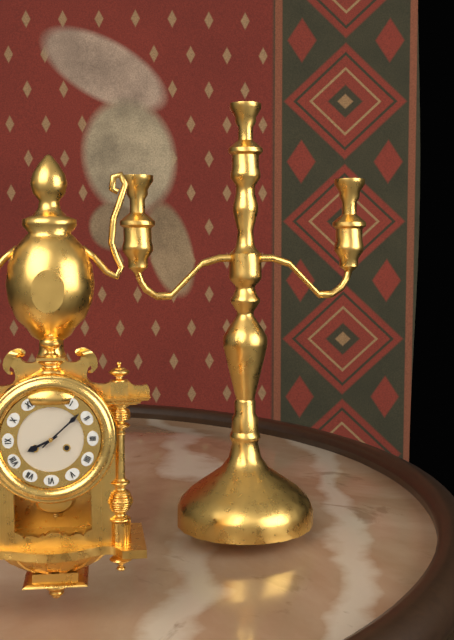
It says 8.08
